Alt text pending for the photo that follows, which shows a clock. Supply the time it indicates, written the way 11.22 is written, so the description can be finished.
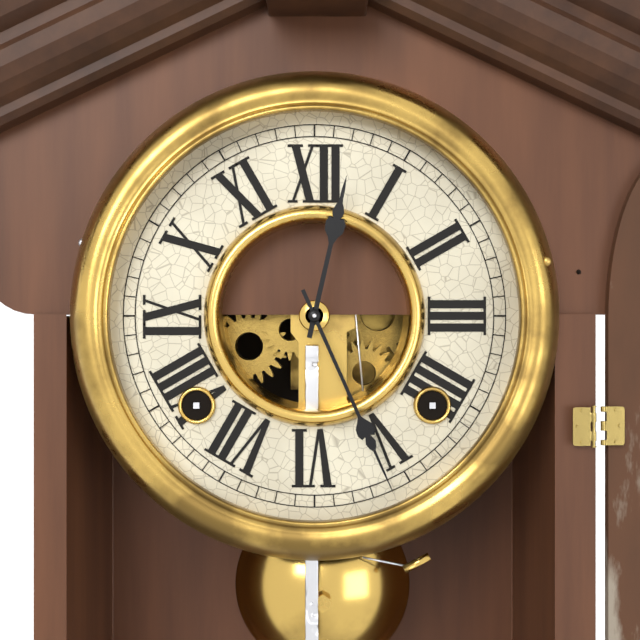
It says 12.26
